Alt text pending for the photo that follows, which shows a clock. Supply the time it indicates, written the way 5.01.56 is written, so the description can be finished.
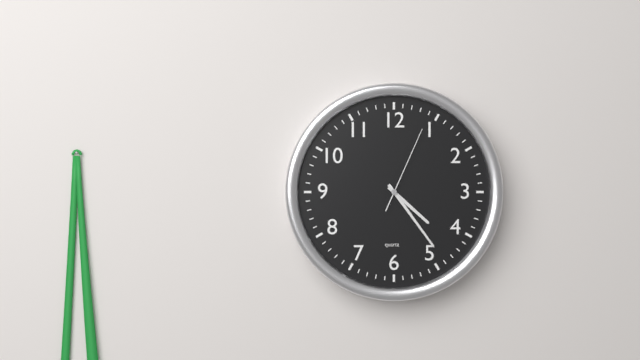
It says 4.24.04
